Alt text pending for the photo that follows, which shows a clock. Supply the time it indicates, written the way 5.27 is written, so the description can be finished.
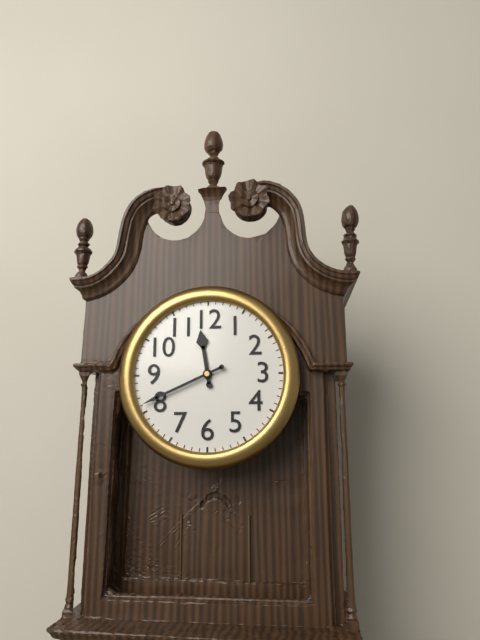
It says 11.41
